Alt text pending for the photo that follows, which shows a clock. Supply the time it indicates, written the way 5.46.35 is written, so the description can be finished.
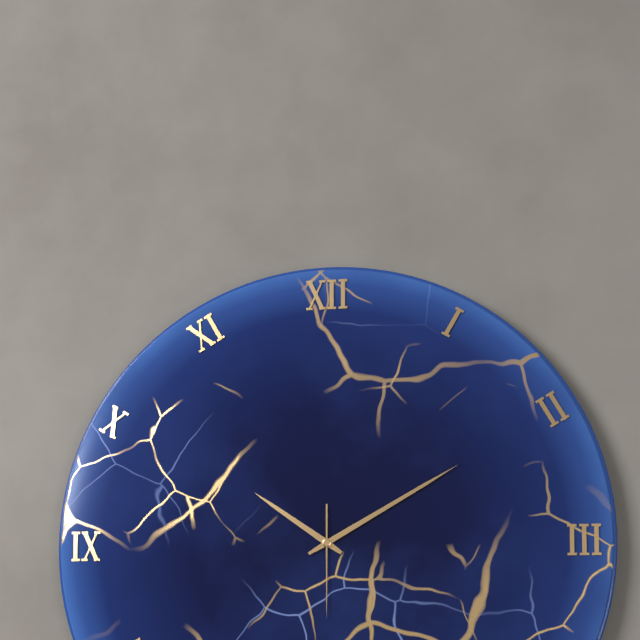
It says 10.10.30
